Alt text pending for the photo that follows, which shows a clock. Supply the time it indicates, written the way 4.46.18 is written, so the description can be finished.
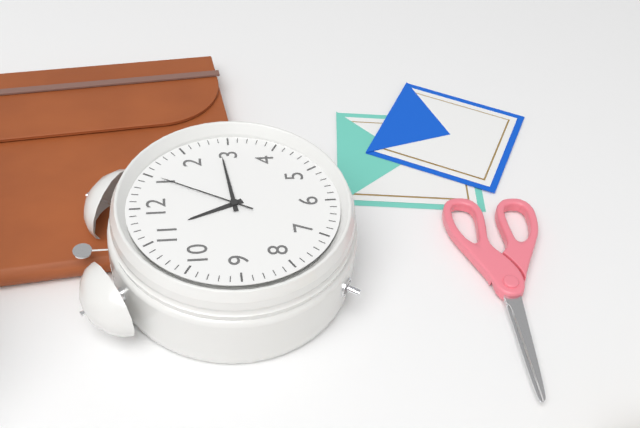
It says 11.14.05
